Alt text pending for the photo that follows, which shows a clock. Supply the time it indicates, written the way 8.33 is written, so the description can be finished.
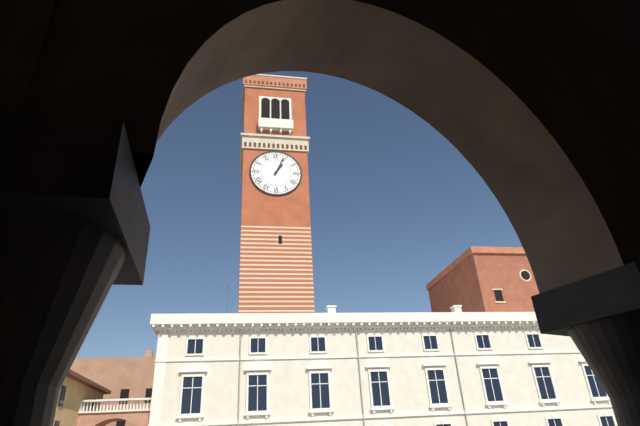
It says 1.04
